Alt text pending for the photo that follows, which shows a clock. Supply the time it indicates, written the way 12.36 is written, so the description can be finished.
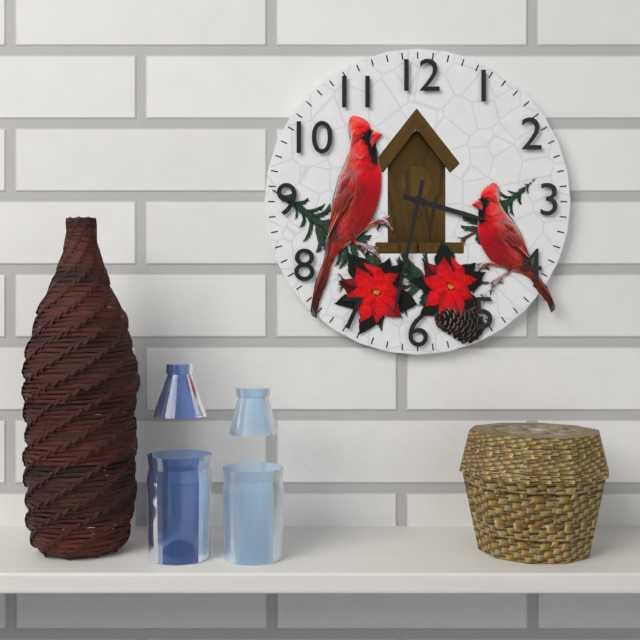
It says 3.32
